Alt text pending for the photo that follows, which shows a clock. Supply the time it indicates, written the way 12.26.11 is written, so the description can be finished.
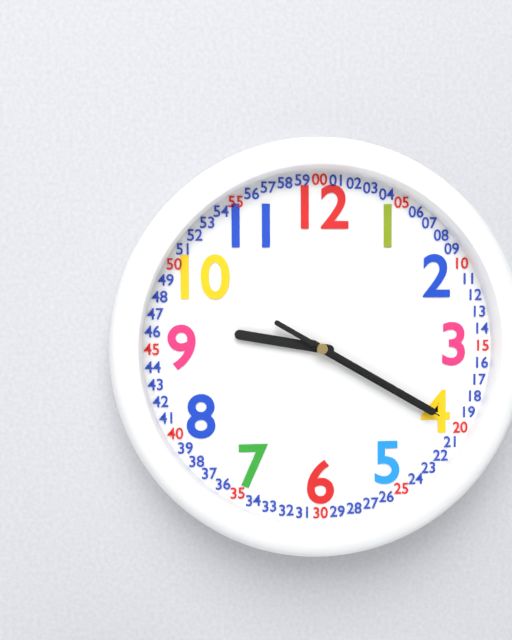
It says 9.20.20
